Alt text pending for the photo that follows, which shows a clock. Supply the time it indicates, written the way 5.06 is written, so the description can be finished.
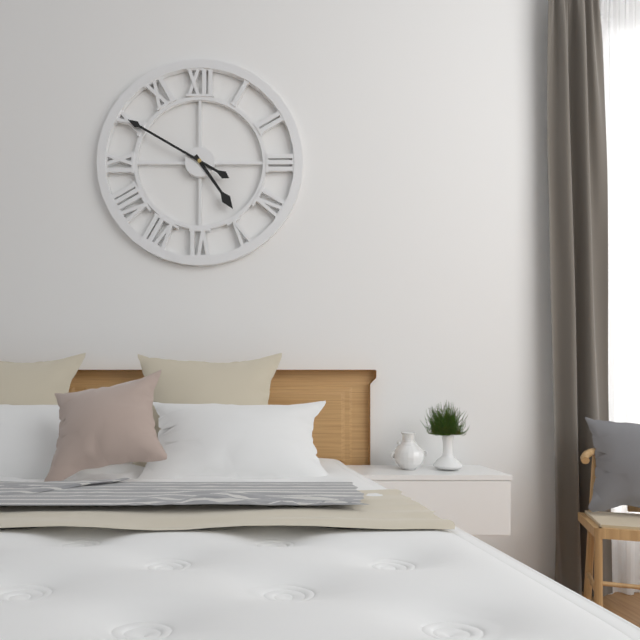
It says 4.50
